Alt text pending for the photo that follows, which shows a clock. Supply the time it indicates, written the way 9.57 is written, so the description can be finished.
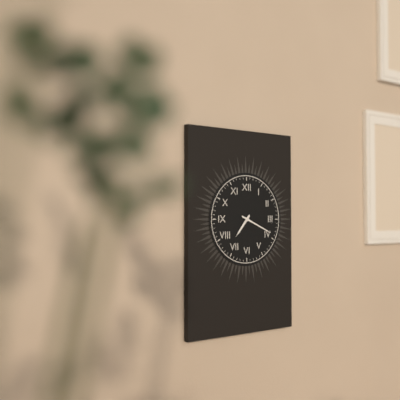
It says 7.19
